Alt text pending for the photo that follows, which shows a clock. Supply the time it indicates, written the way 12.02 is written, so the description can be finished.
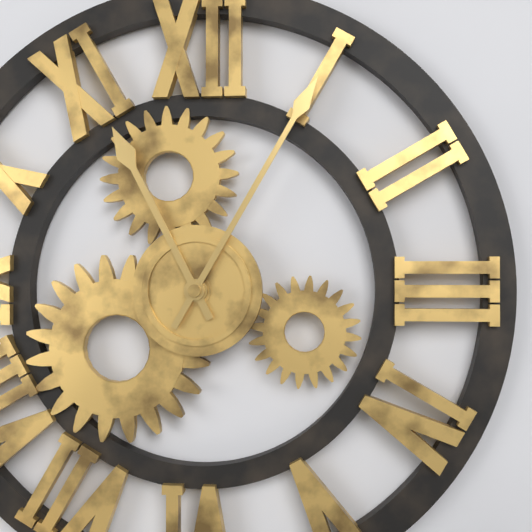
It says 11.05
